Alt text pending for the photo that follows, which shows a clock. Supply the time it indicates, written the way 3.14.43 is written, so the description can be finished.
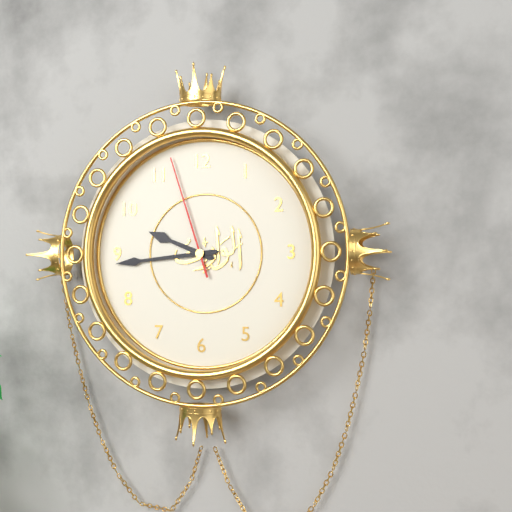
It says 9.44.57
